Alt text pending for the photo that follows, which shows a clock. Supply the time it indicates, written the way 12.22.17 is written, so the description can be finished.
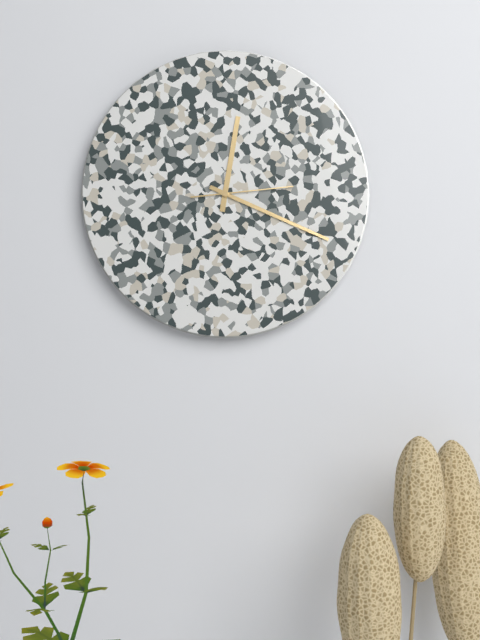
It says 12.19.14
